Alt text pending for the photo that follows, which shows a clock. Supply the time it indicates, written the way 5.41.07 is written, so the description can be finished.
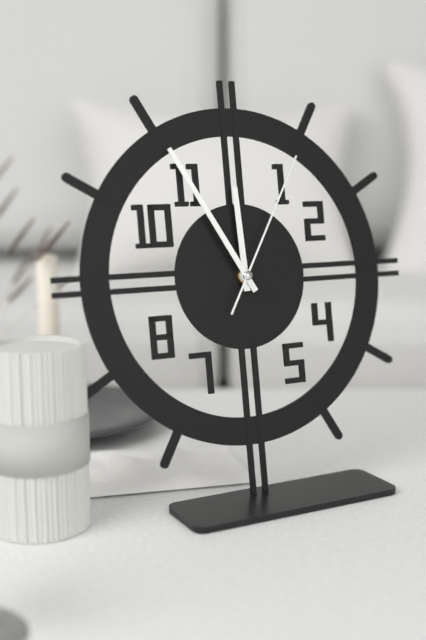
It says 11.55.05
